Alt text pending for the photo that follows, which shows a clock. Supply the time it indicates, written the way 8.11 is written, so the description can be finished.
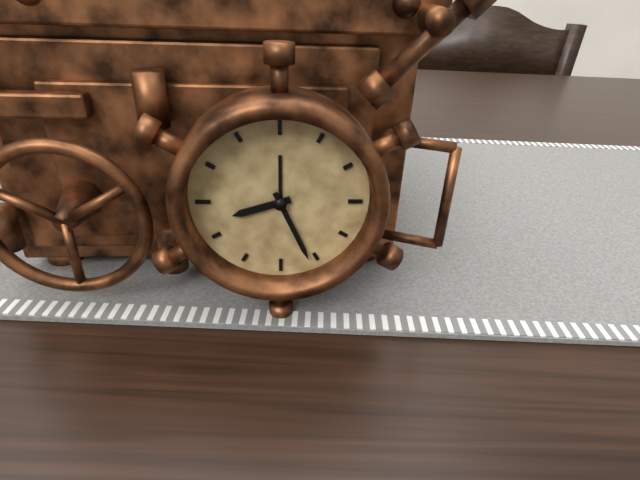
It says 8.26
